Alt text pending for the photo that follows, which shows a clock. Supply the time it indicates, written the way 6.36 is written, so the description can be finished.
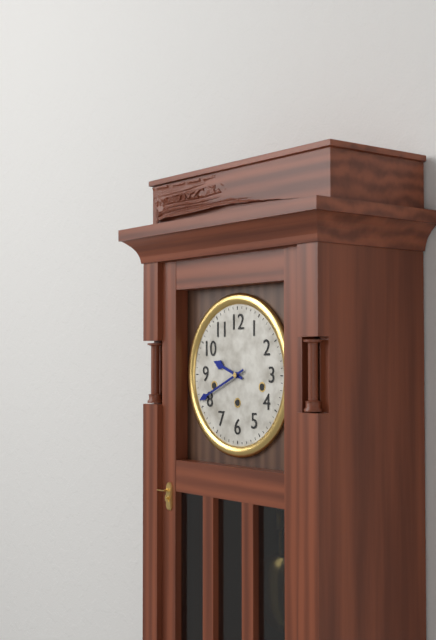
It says 9.41
